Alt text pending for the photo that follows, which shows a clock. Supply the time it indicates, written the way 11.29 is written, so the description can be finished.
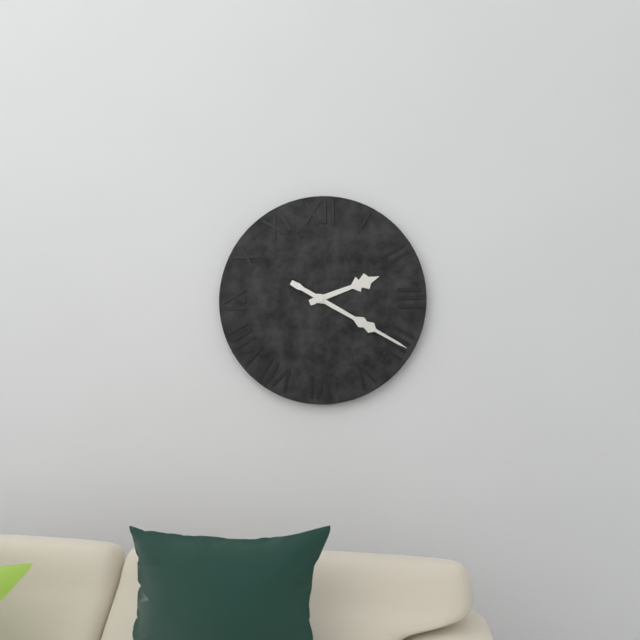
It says 2.20
